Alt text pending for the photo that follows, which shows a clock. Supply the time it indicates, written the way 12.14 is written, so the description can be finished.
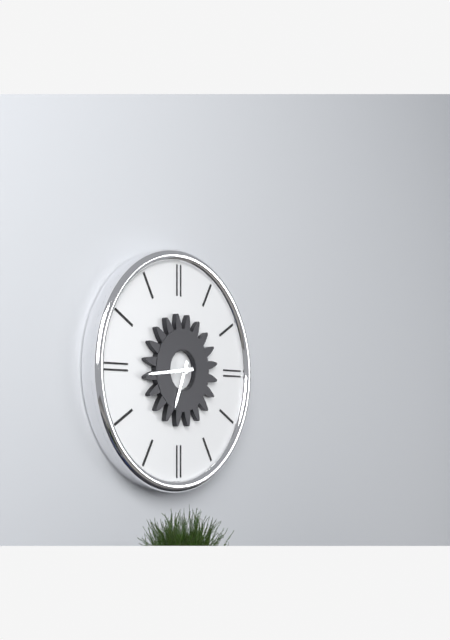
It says 6.44
